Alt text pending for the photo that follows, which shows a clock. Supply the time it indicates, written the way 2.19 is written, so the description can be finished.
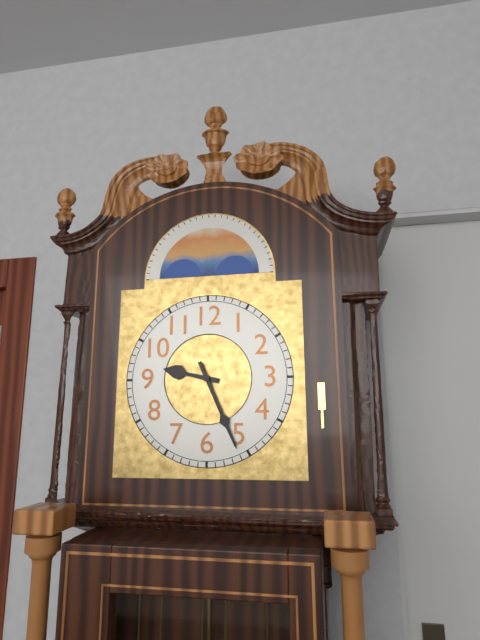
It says 9.26
